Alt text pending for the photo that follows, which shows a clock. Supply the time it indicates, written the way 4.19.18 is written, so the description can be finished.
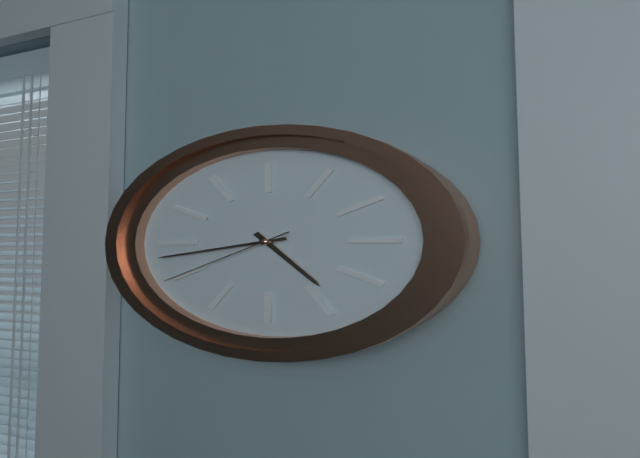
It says 4.43.40
